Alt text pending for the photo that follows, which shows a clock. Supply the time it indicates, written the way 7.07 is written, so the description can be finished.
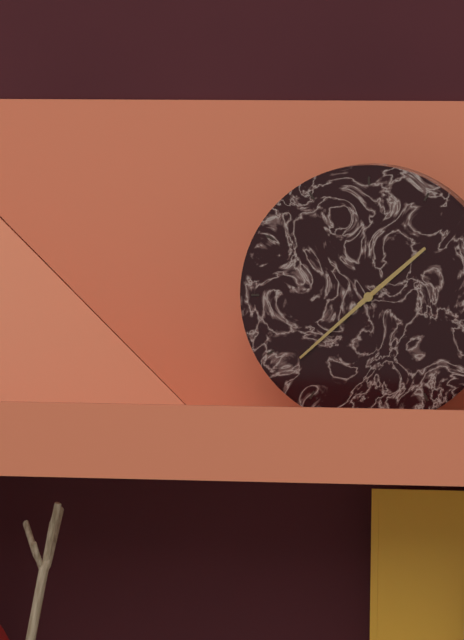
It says 1.38
